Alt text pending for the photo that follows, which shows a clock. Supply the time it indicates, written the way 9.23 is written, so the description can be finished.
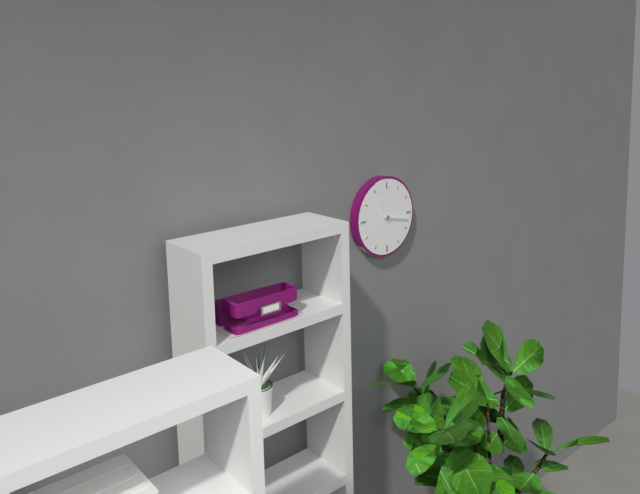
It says 11.17
